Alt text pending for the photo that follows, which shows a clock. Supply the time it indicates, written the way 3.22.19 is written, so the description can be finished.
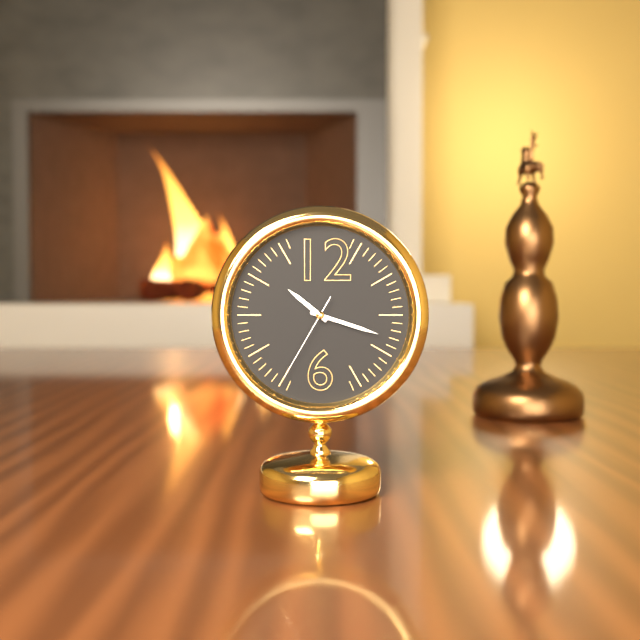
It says 10.18.35
